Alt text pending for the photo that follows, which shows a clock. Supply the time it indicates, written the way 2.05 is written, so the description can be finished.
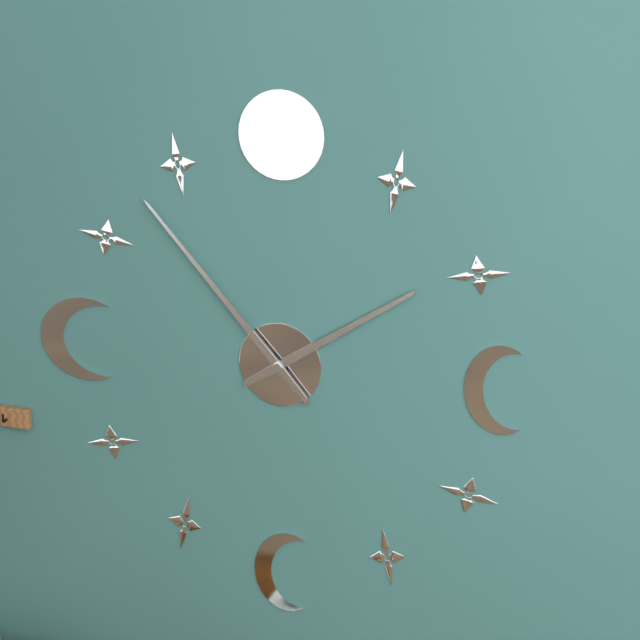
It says 1.53
